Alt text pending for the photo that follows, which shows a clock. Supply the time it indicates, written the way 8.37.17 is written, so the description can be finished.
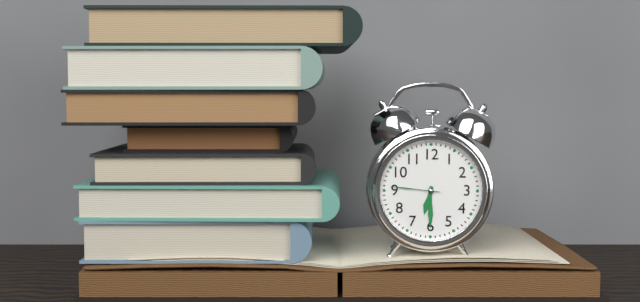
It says 6.30.46
